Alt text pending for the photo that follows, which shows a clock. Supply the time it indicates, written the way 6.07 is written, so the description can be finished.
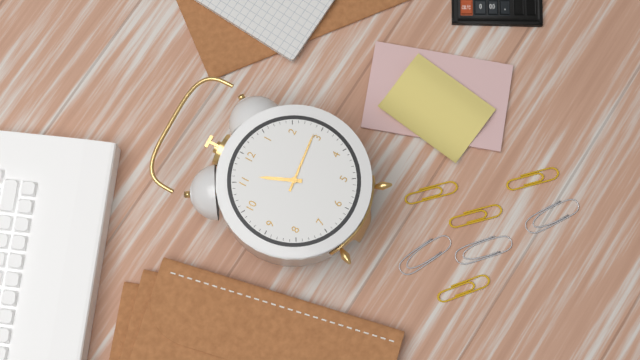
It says 11.14
